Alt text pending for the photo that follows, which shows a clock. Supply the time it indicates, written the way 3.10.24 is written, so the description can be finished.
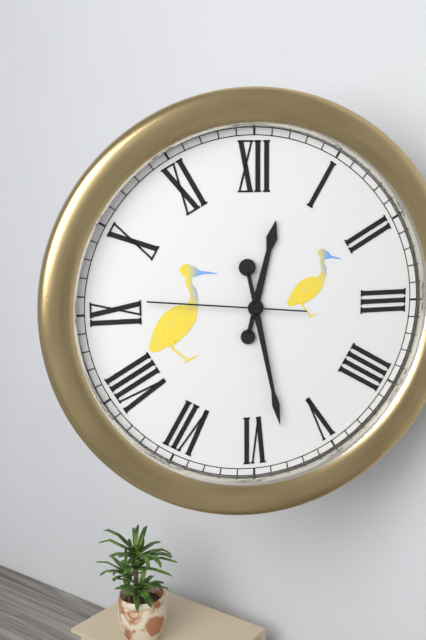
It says 12.28.46
